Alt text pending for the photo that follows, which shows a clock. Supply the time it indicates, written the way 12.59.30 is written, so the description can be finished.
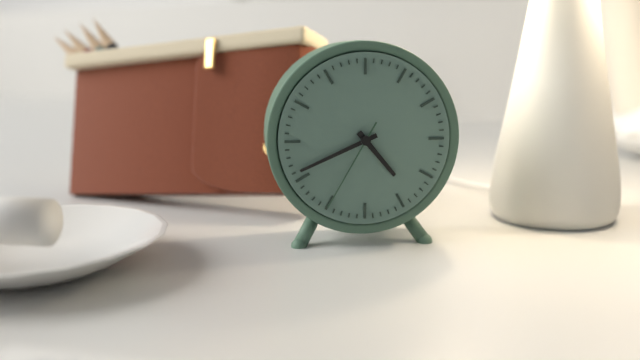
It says 4.41.35
